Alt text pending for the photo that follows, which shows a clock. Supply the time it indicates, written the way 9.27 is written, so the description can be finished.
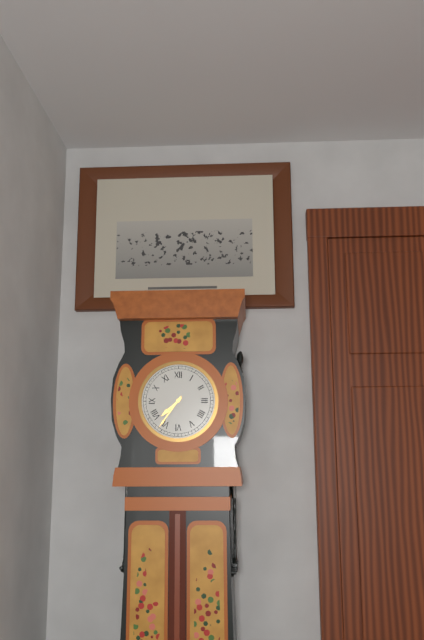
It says 7.36
